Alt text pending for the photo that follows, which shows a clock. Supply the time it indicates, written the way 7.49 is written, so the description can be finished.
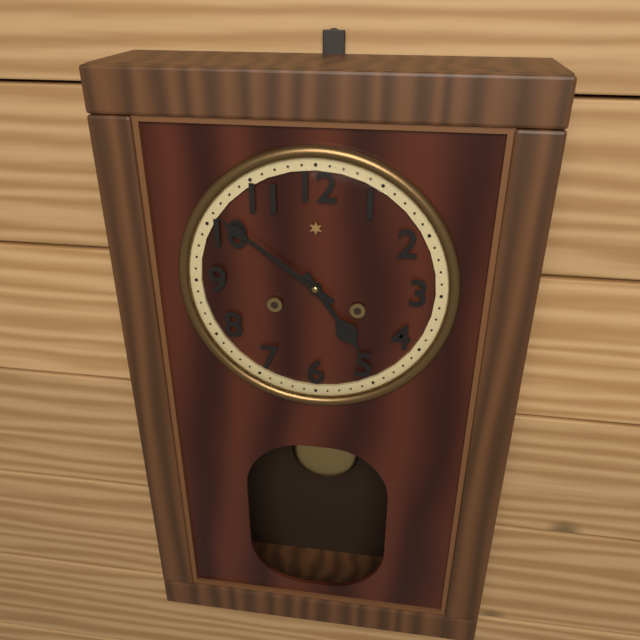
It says 4.51
